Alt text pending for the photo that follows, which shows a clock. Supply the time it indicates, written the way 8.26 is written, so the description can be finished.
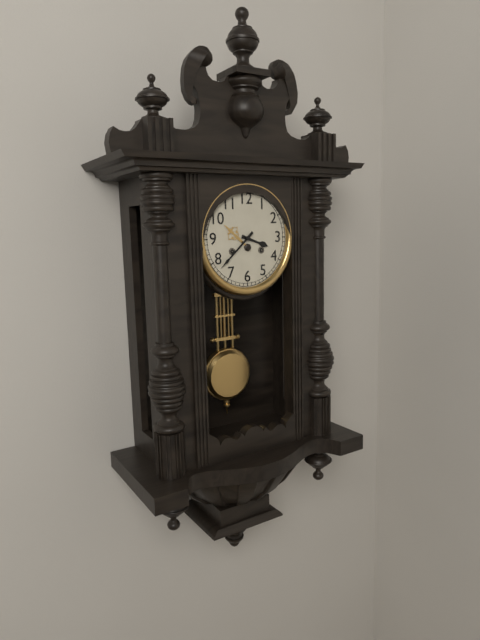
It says 3.38
